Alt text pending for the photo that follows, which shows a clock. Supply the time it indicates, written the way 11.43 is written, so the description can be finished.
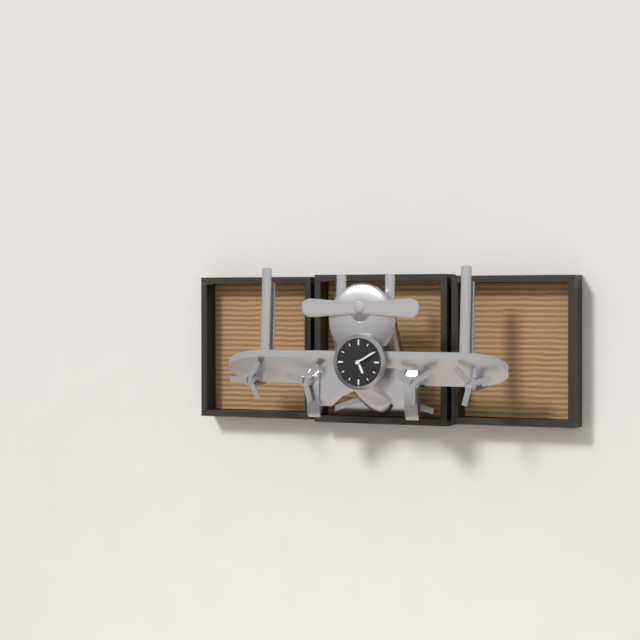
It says 5.10
